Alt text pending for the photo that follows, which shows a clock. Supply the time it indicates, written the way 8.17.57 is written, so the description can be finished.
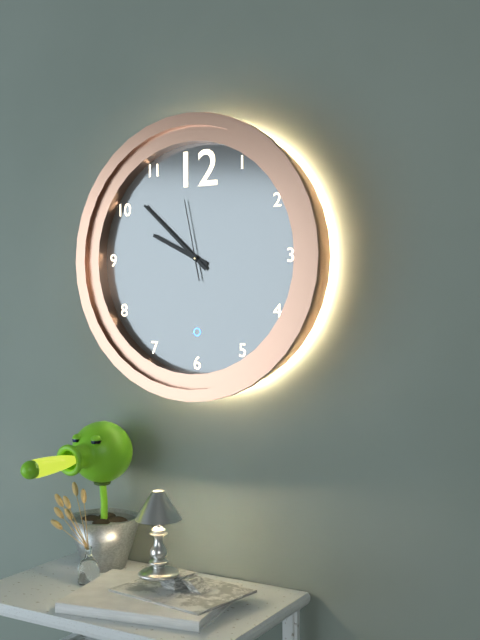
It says 9.52.58
